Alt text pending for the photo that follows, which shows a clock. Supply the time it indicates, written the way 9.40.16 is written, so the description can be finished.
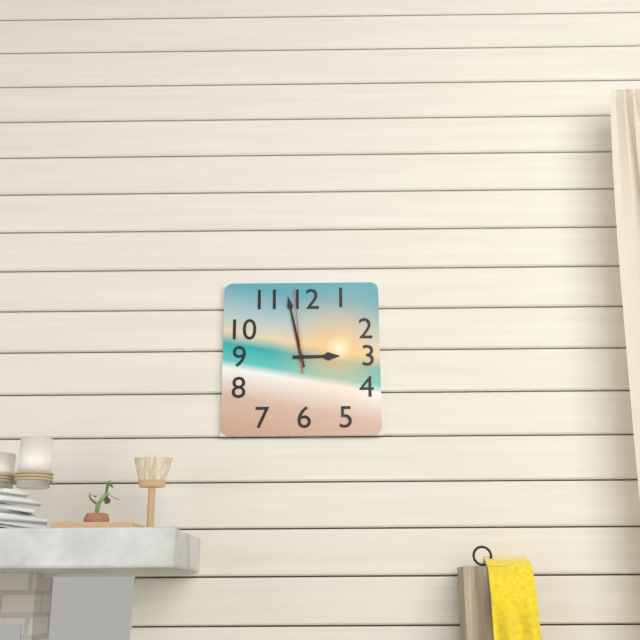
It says 2.58.59
